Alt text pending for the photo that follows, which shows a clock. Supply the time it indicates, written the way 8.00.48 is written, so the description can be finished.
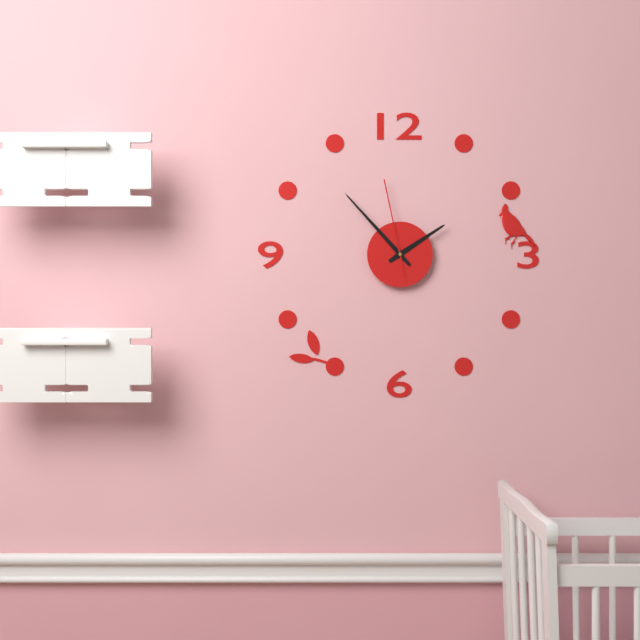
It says 1.53.58
